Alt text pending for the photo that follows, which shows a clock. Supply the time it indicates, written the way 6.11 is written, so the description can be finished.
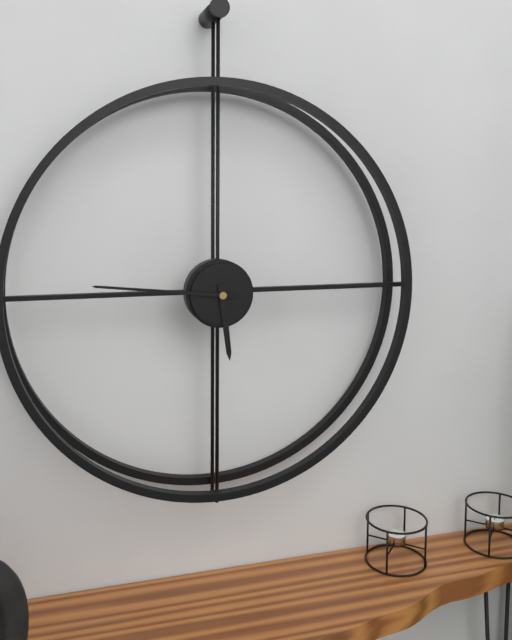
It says 5.46
